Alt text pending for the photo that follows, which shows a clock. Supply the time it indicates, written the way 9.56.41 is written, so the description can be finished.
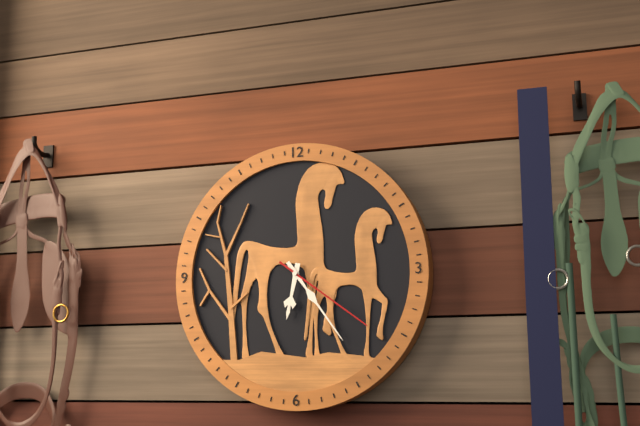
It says 6.24.21
